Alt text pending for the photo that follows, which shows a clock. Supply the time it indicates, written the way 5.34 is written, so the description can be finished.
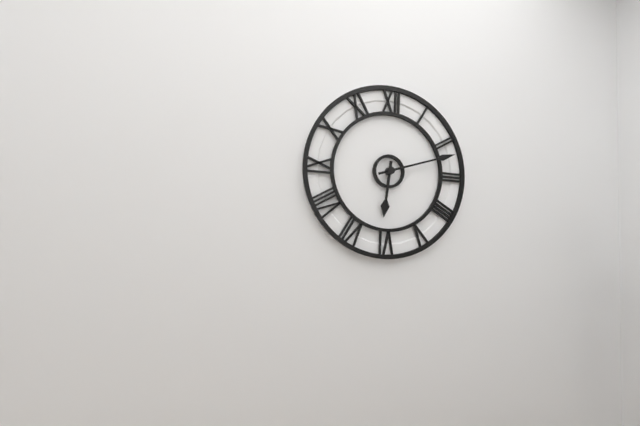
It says 6.12
